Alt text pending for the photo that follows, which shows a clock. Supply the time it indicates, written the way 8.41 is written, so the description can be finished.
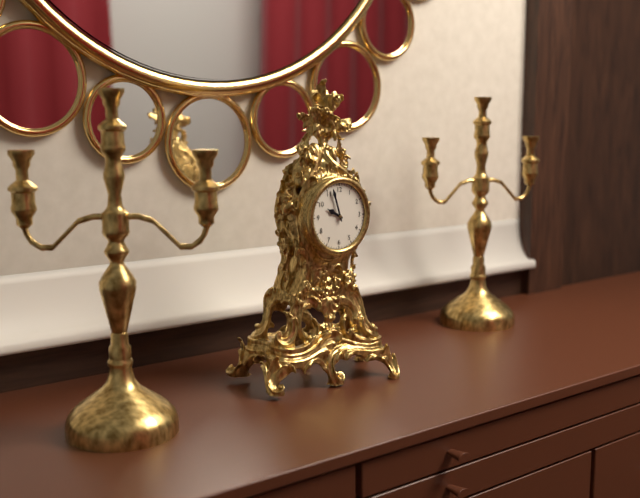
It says 9.57
